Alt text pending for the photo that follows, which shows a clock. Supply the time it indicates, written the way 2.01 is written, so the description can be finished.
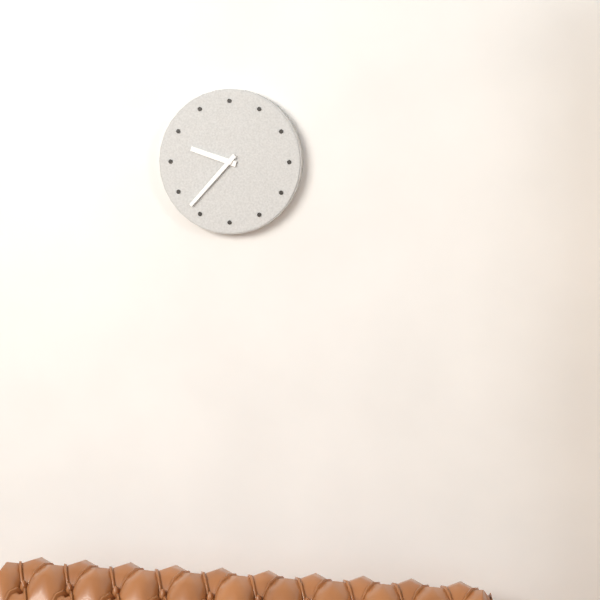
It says 9.37
